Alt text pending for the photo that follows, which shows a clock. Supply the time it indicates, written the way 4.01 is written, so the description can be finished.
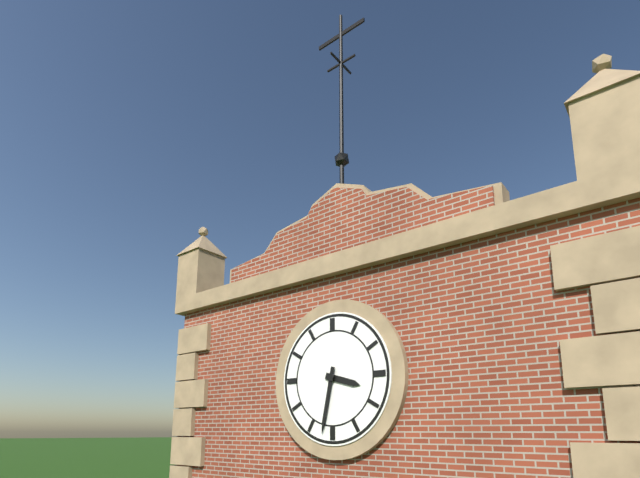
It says 3.32
